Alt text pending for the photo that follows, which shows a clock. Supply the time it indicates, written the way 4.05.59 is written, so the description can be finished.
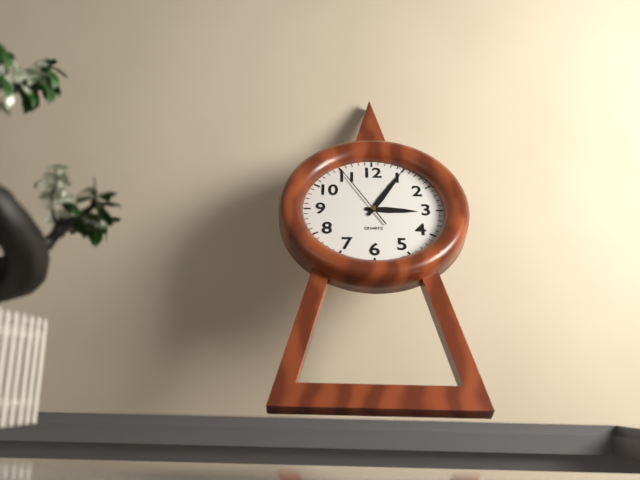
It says 3.05.55
